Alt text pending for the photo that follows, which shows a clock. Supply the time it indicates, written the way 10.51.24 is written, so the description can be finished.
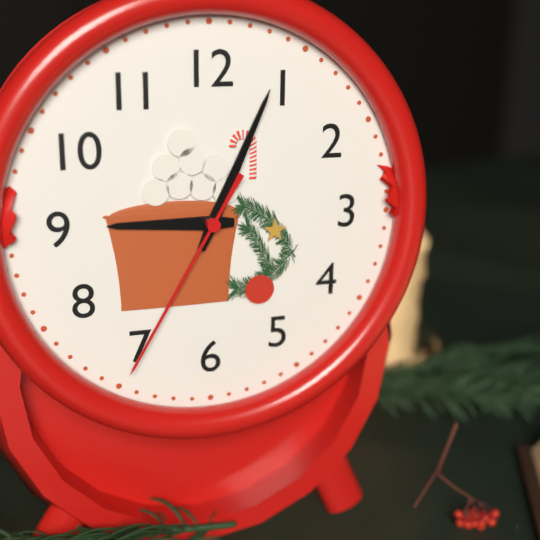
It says 9.04.35
